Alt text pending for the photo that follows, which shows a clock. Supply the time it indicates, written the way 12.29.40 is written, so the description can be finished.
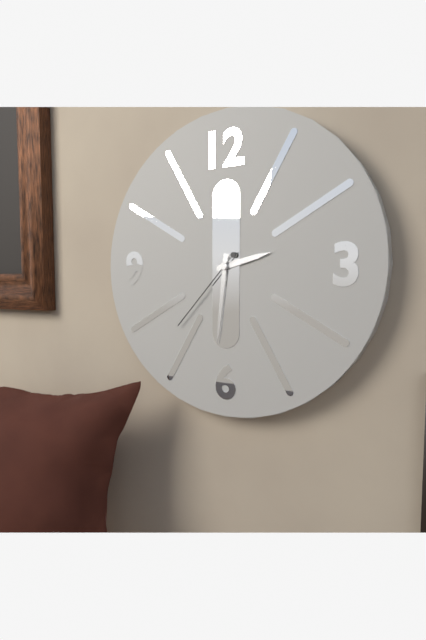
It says 2.31.37
